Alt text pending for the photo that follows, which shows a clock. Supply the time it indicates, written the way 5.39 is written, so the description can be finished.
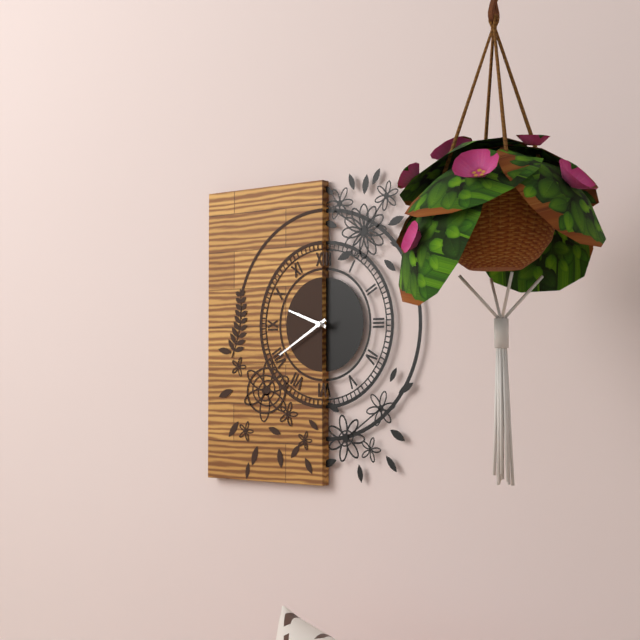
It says 9.40
